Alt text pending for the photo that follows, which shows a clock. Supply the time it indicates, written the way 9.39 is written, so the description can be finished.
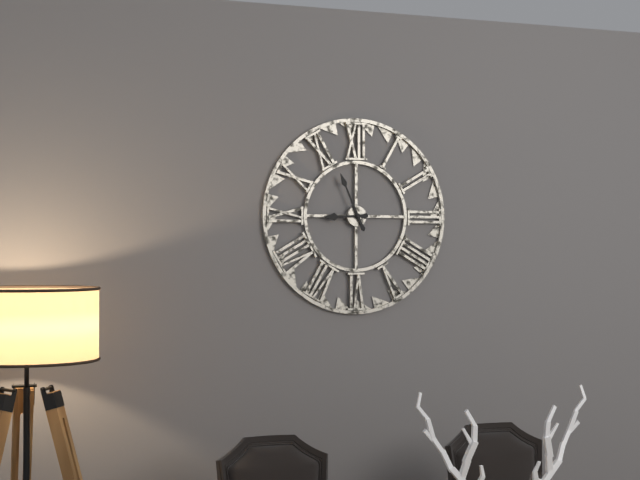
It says 8.56
